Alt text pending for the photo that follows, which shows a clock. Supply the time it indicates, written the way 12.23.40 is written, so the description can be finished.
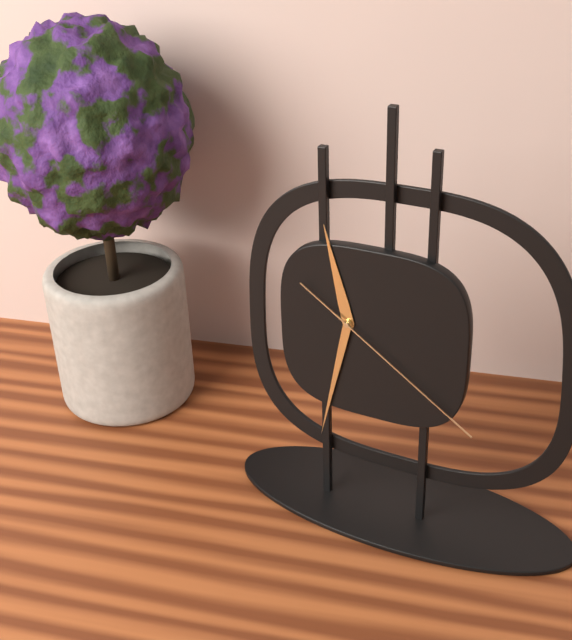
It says 11.32.21
